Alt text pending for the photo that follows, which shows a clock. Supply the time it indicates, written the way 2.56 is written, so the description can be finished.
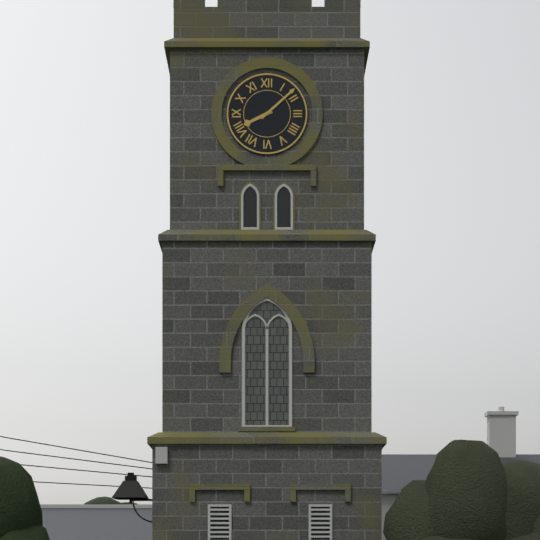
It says 8.08
